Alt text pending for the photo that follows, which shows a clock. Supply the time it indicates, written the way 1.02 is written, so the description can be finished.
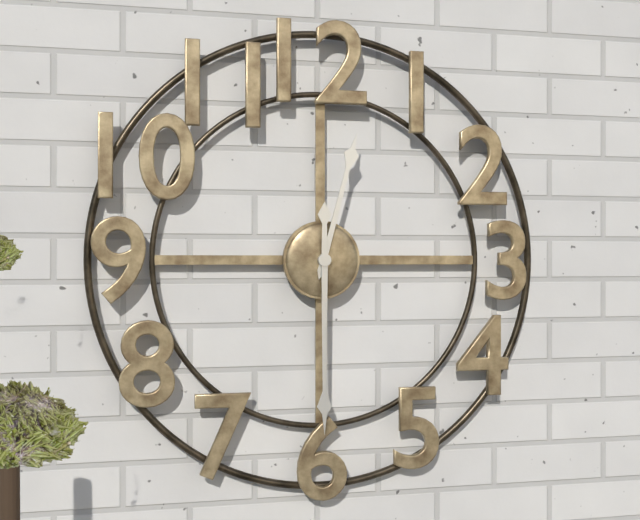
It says 12.30
